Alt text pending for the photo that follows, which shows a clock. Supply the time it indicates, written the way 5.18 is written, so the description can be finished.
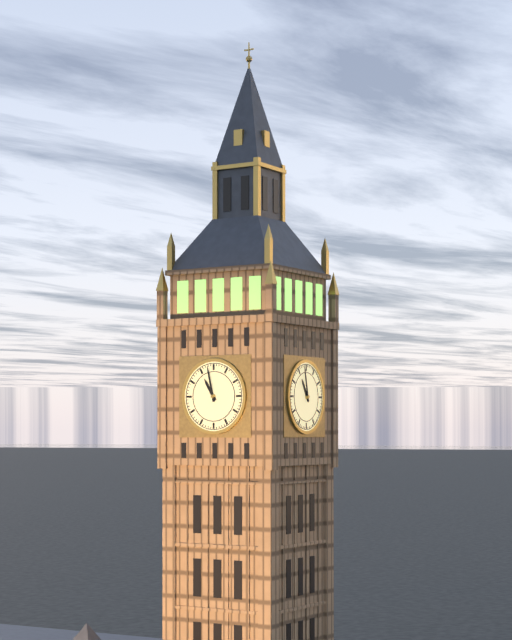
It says 10.58
